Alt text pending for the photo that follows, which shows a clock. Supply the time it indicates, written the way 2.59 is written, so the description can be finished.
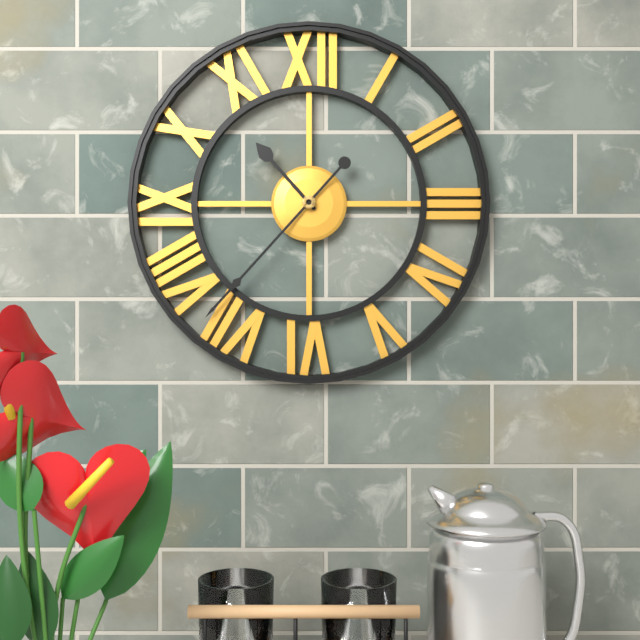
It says 10.37
